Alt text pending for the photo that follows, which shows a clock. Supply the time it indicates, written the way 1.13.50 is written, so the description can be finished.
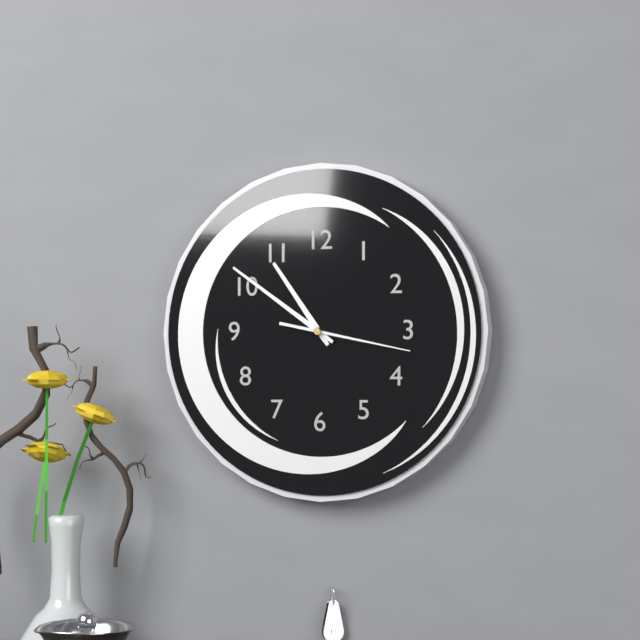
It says 10.51.17
